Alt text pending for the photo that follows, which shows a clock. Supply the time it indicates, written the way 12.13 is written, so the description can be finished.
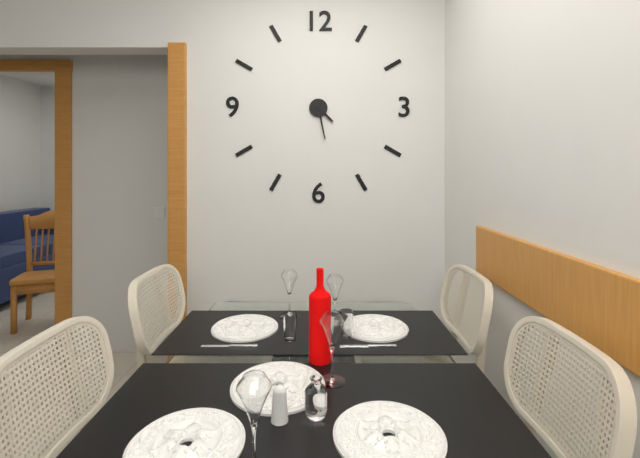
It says 4.28
